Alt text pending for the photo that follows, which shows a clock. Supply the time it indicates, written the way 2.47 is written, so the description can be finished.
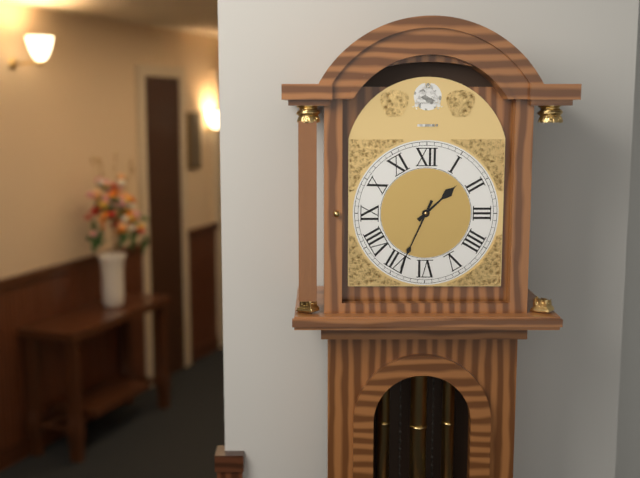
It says 1.34
